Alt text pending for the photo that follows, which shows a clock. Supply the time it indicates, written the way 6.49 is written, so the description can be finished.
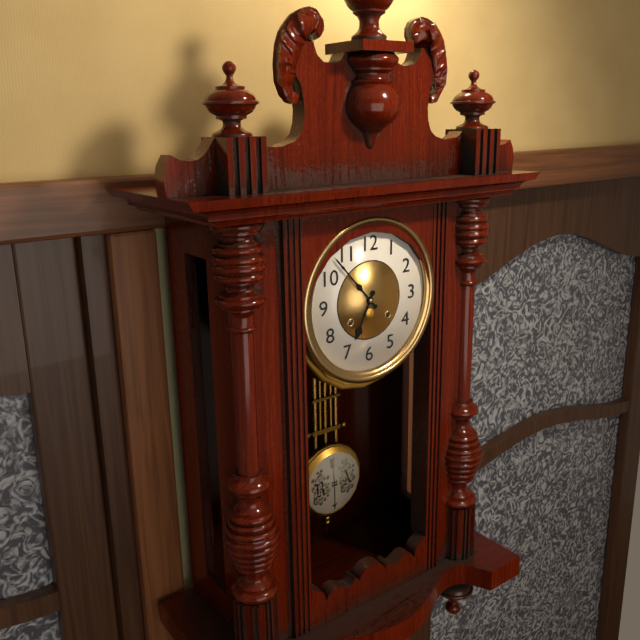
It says 6.53
